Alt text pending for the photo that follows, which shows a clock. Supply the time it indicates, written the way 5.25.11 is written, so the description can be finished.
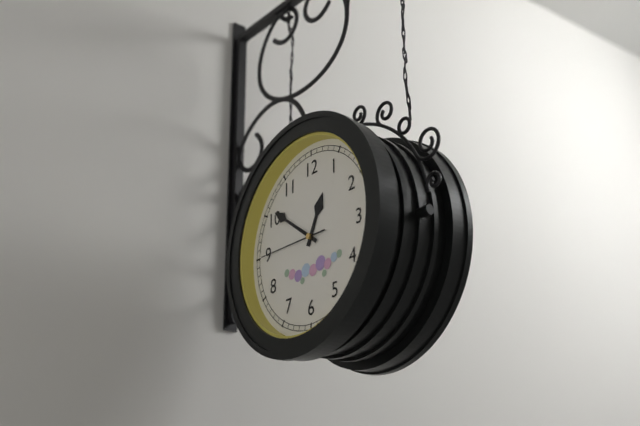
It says 12.51.45
